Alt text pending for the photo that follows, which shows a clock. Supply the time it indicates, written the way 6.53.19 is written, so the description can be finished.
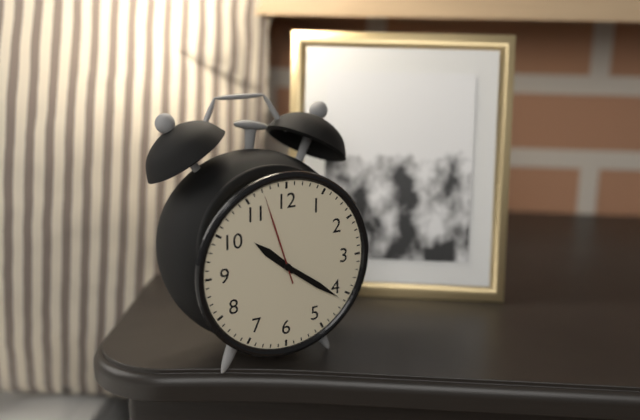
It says 10.21.57
